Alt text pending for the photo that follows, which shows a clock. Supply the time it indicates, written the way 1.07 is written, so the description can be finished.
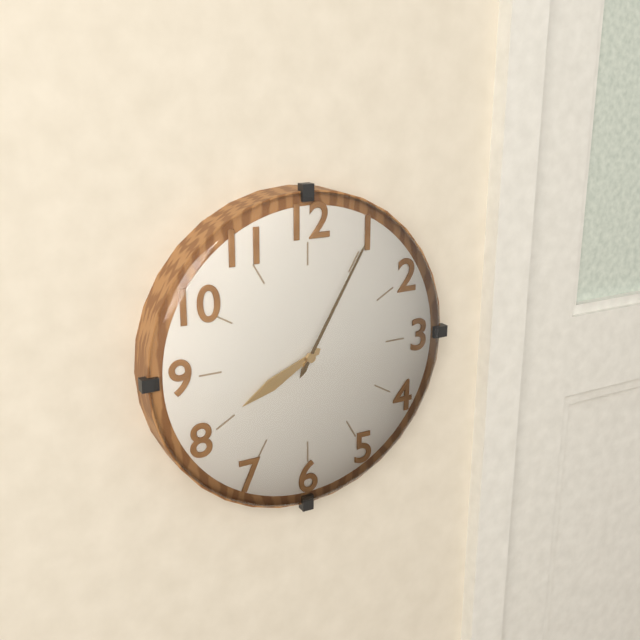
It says 8.05
